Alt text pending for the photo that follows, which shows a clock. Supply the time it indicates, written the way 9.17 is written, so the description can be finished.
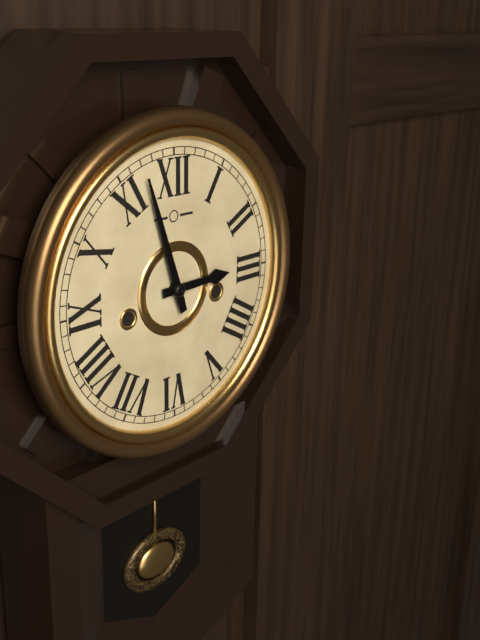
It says 2.57
